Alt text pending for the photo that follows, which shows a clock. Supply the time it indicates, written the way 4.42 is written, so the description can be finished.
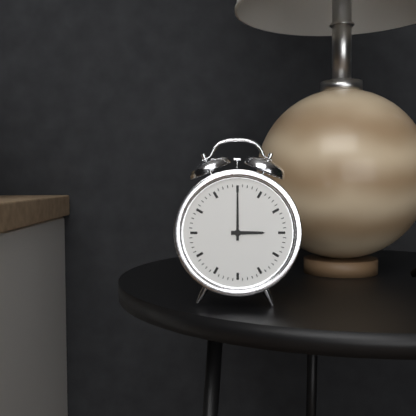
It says 3.00
